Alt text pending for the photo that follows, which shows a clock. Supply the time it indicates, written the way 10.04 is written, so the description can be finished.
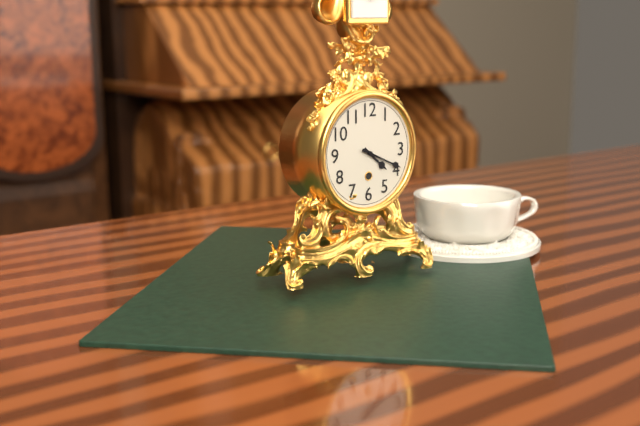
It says 4.19
